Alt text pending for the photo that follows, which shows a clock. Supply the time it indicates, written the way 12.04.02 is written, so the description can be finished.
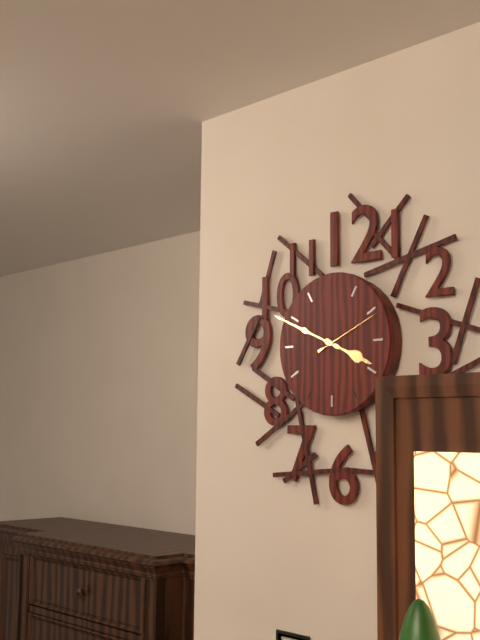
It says 3.49.11
